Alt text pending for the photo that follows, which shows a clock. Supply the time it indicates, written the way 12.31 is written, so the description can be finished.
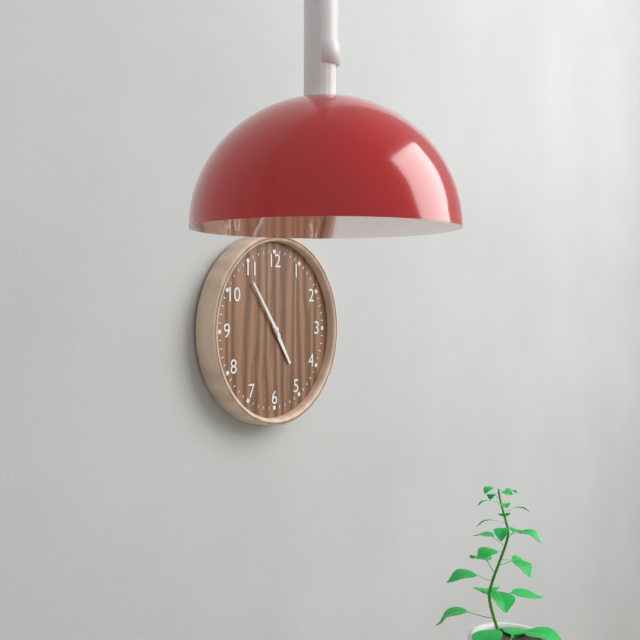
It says 4.54
